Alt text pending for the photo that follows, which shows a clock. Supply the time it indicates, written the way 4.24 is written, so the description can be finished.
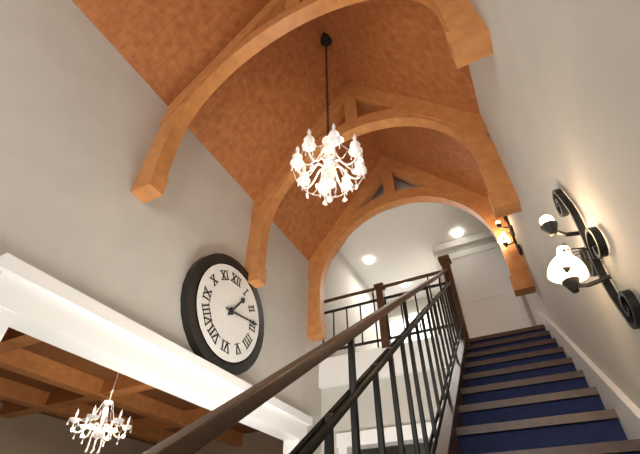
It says 1.14
